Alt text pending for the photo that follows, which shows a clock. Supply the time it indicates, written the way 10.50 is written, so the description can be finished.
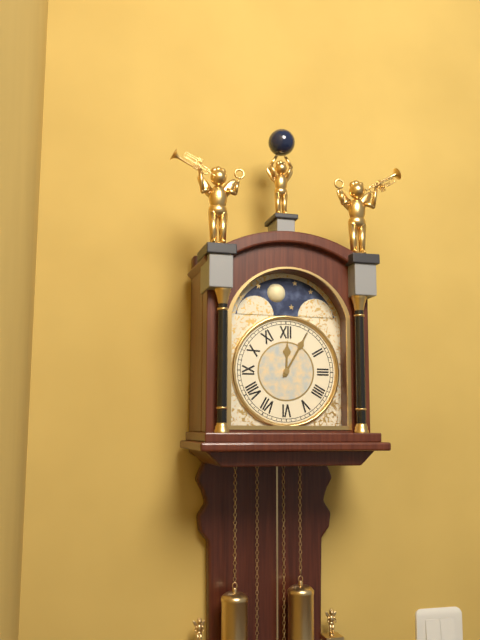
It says 12.05
